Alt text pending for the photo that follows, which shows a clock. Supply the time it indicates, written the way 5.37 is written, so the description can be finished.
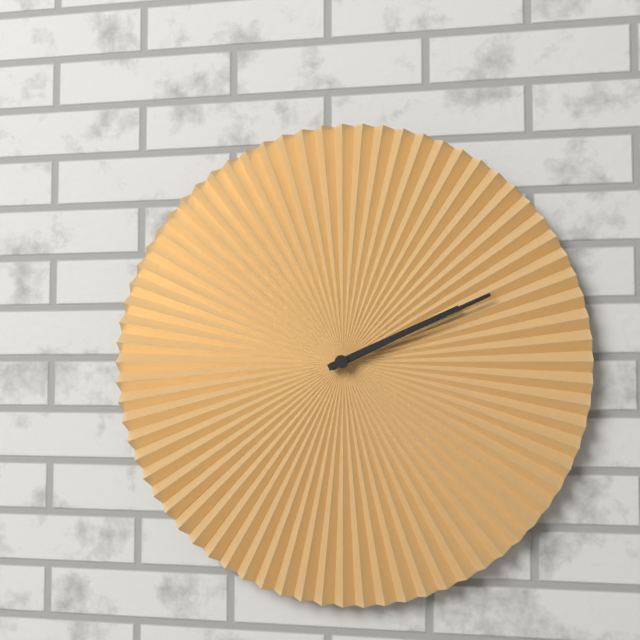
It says 2.11
